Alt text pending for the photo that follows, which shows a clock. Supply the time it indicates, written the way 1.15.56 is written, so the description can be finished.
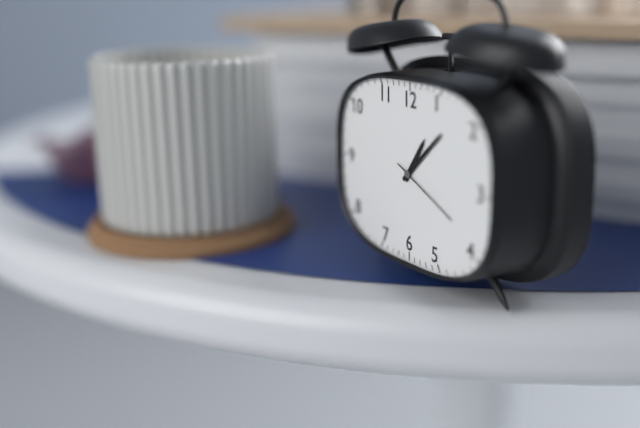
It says 1.08.19
